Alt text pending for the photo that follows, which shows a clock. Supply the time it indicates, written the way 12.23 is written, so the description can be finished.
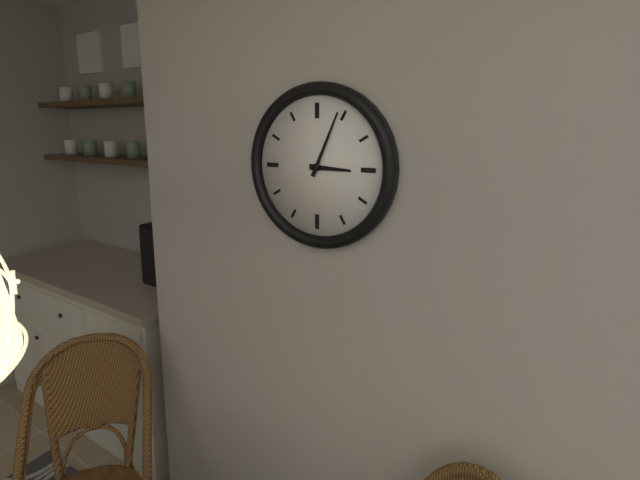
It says 3.04
